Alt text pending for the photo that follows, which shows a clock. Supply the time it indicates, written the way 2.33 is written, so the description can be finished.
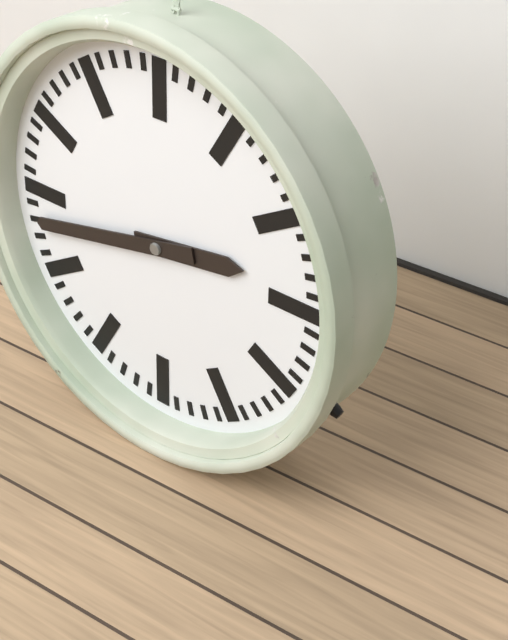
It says 2.43
